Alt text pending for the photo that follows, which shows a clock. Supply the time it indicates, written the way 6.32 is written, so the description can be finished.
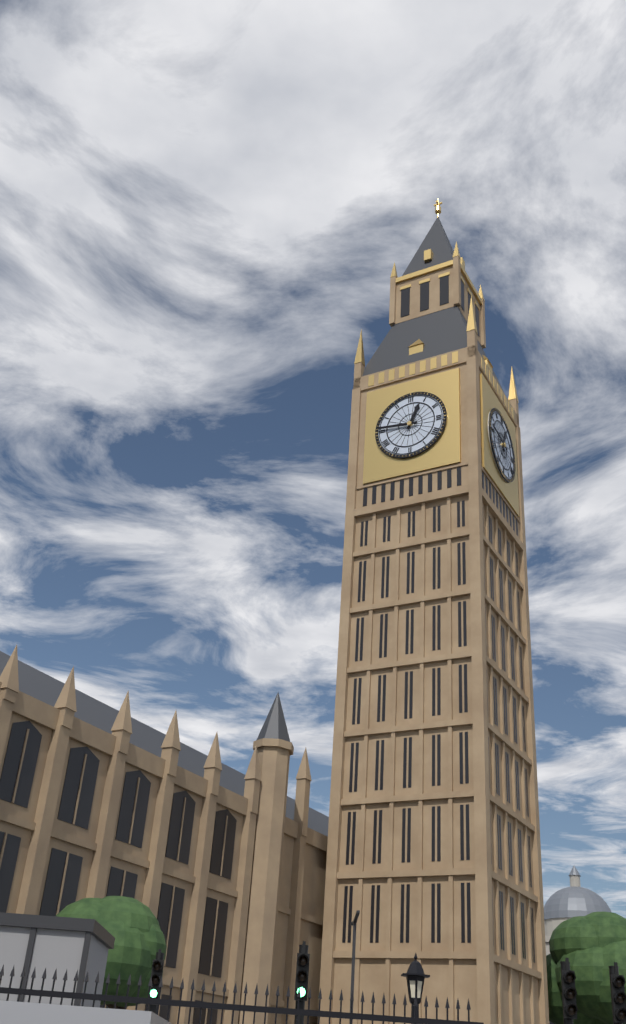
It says 12.46
